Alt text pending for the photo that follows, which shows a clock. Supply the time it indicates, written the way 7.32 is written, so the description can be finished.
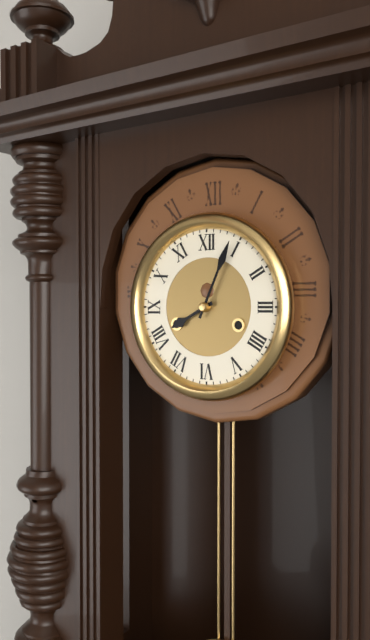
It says 8.04
